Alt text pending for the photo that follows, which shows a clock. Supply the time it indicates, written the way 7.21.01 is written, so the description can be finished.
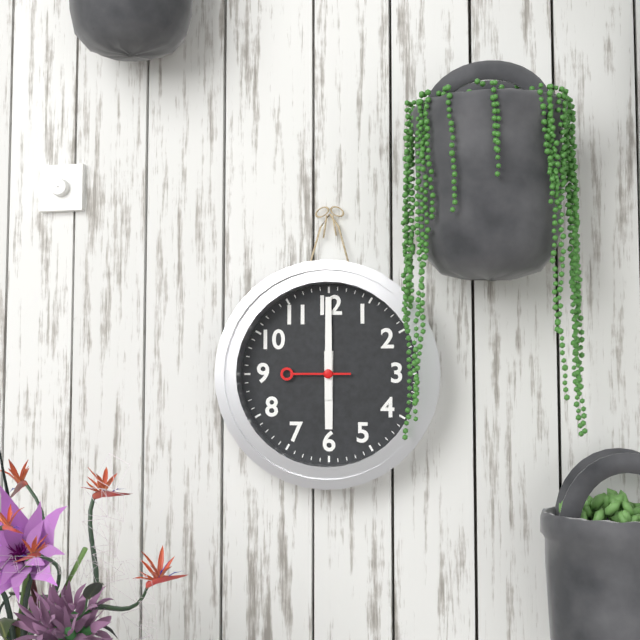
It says 6.00.45
